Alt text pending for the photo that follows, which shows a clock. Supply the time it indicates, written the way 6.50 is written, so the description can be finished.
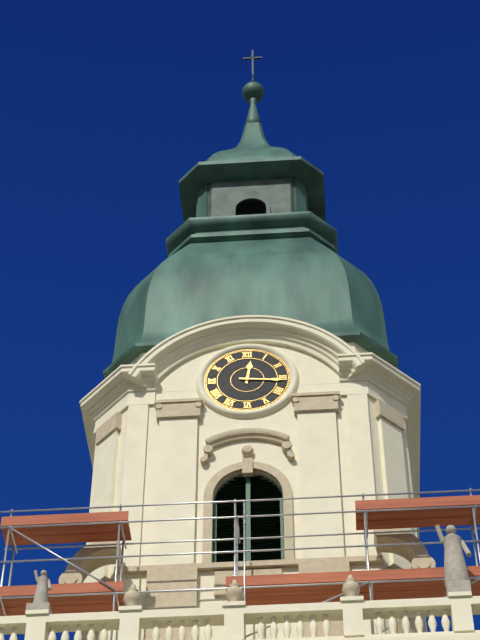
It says 12.16
